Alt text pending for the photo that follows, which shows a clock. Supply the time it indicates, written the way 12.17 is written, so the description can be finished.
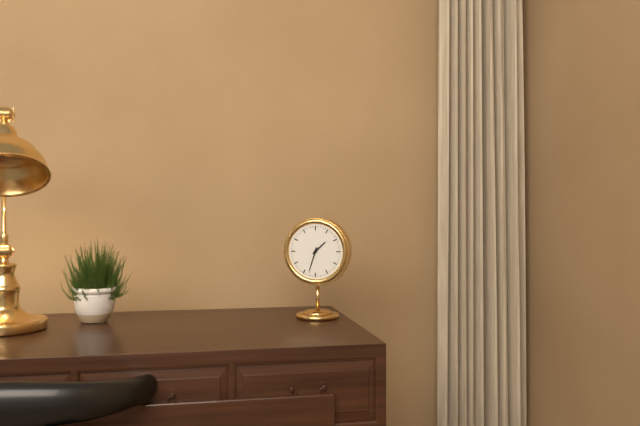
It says 1.33
